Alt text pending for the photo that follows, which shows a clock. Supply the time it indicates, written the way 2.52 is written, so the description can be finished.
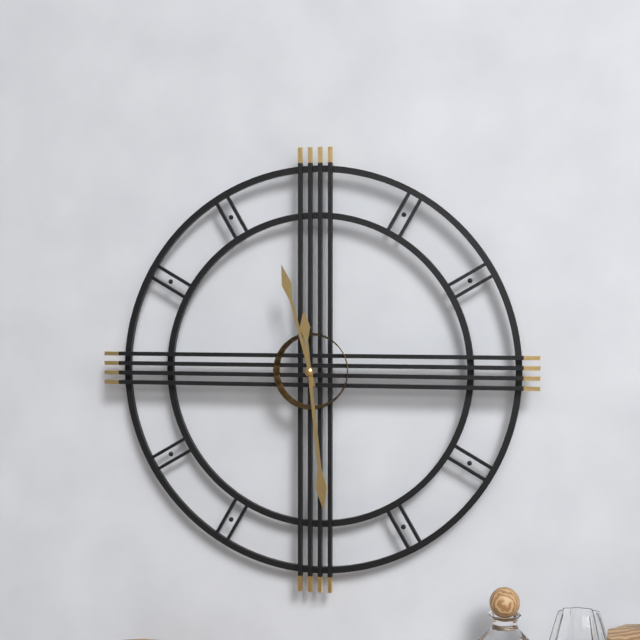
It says 11.29
